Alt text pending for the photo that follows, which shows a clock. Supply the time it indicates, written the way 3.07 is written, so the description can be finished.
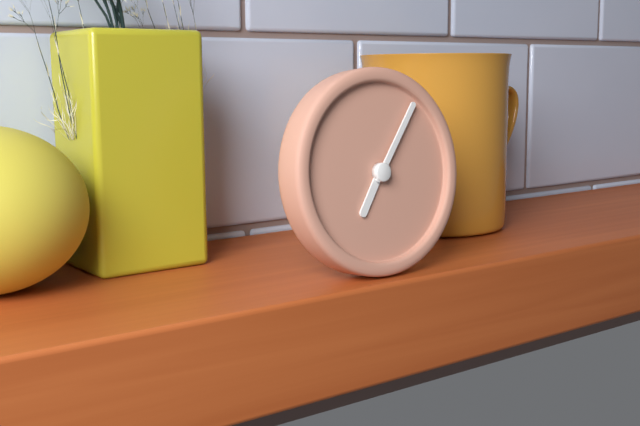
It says 7.06
